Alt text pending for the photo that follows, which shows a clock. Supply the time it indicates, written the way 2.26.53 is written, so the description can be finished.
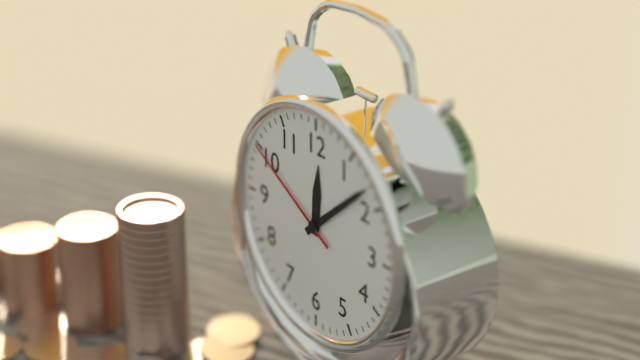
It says 12.08.50
